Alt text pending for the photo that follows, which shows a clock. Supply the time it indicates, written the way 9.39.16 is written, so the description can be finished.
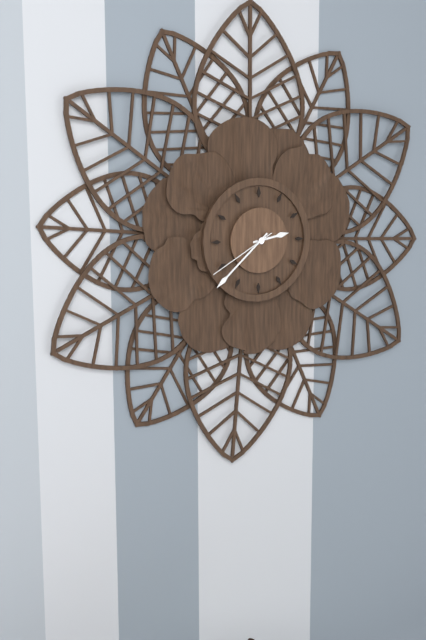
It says 2.38.40
